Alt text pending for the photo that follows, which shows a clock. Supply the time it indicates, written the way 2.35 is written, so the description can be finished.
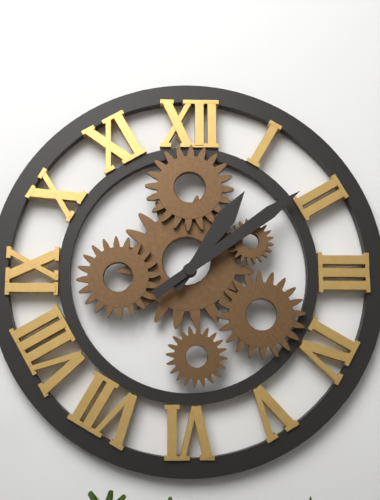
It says 1.09
